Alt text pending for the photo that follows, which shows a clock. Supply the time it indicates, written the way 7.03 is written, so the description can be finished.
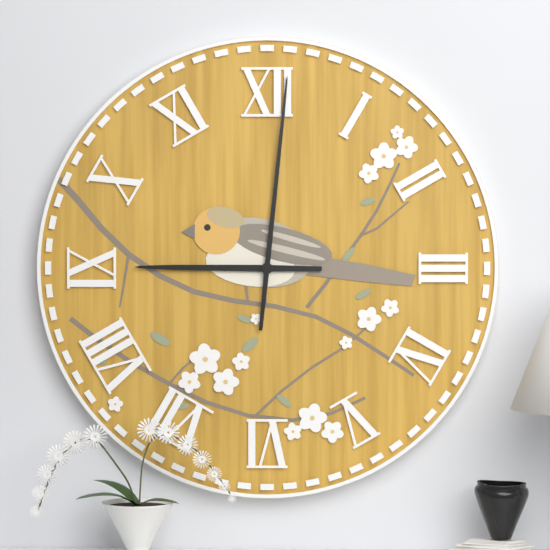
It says 9.01
